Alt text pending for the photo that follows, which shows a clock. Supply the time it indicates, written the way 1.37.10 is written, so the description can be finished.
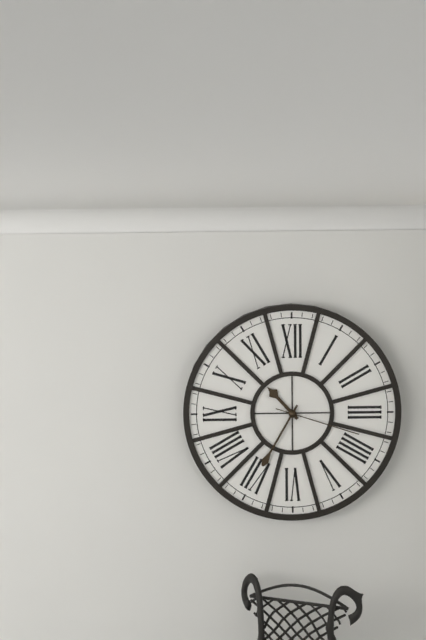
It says 10.35.18
